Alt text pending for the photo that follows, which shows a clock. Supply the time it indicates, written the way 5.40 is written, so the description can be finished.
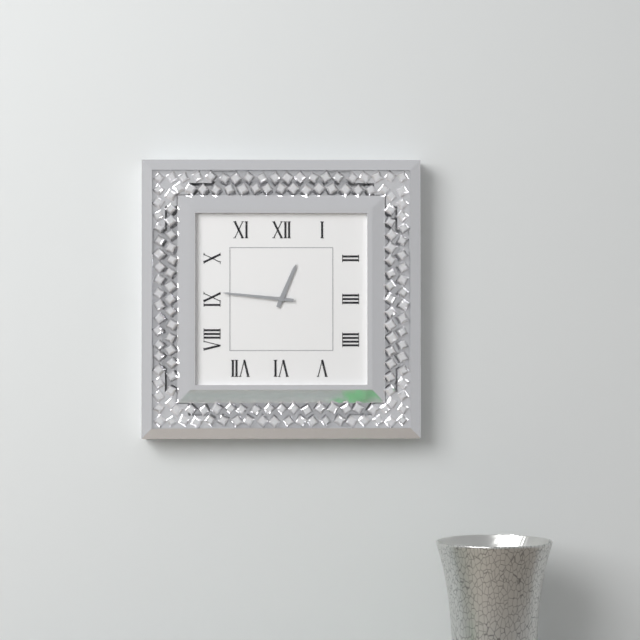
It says 12.46
